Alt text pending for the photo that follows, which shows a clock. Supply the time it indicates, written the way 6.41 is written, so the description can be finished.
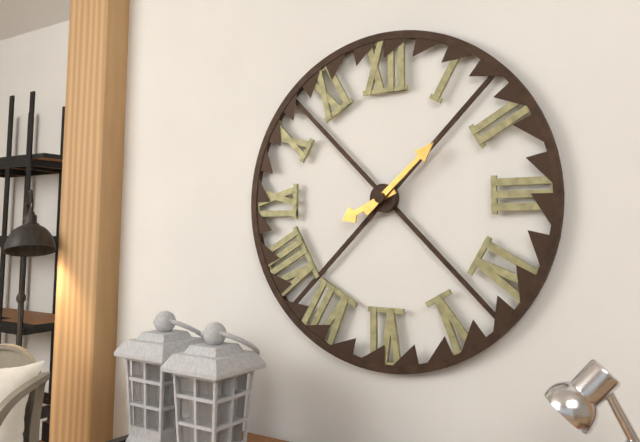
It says 8.08
